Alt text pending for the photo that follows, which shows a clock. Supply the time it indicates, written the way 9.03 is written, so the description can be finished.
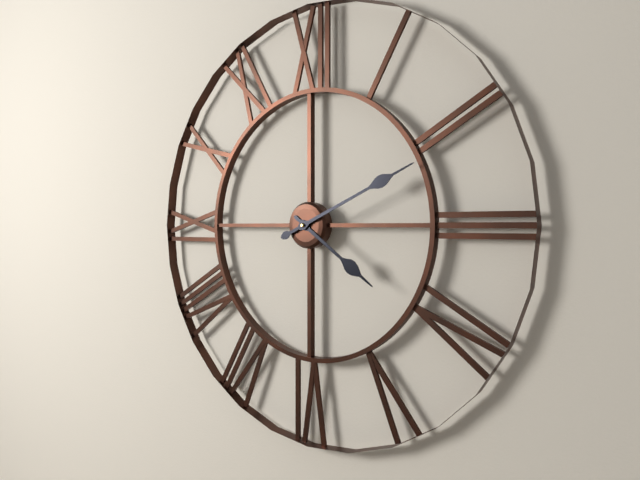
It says 4.11
